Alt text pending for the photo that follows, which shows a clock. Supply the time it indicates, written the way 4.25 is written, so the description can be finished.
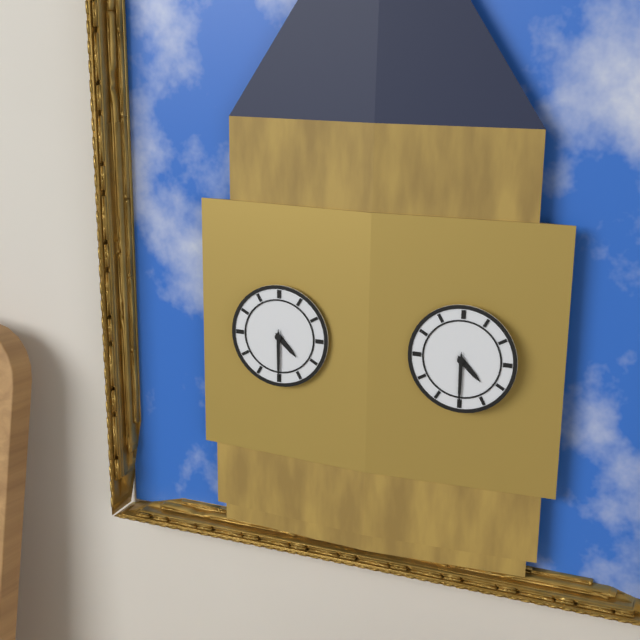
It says 4.30
